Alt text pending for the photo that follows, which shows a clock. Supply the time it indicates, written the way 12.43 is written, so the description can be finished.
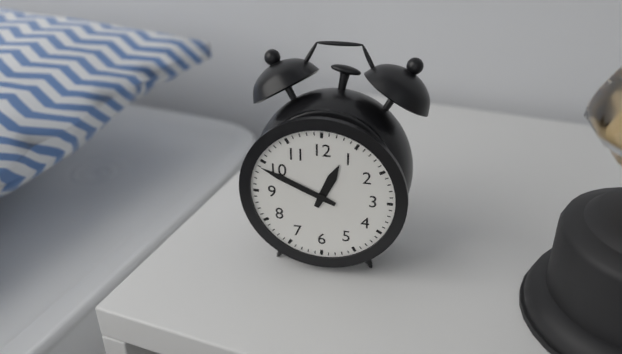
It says 12.49
